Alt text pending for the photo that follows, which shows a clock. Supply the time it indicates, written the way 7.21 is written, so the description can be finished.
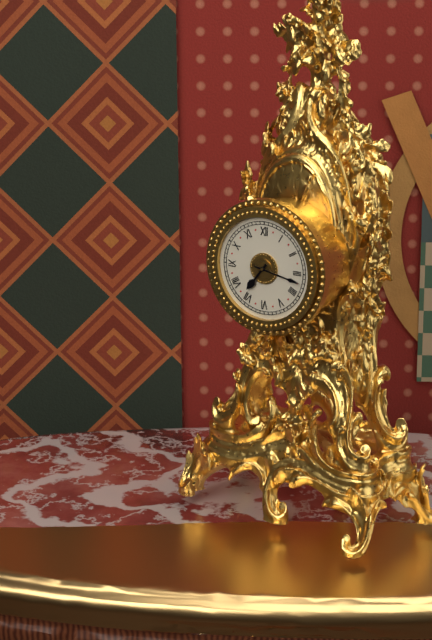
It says 7.17
